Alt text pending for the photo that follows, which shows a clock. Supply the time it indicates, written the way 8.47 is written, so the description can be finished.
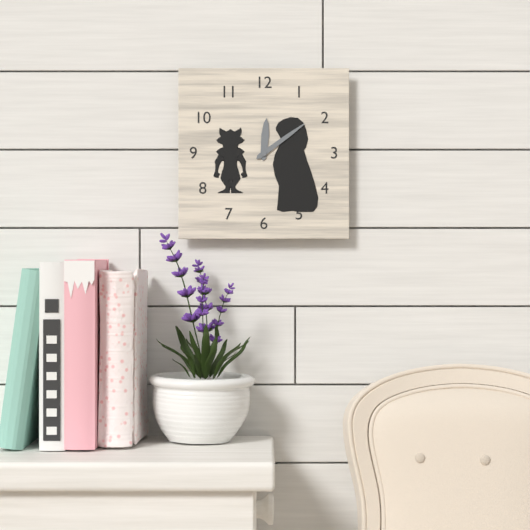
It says 12.09
